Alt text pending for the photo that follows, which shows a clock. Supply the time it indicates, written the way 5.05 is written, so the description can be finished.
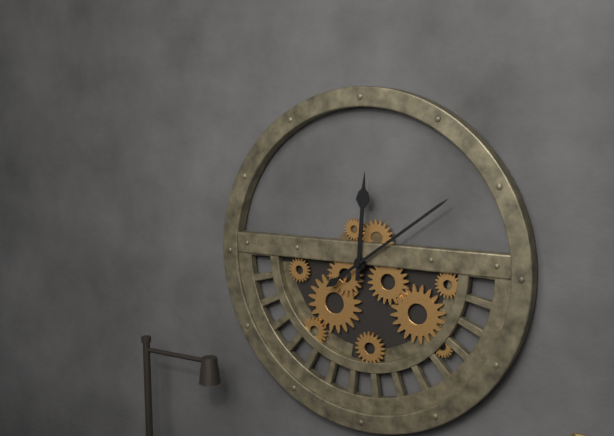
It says 12.09
